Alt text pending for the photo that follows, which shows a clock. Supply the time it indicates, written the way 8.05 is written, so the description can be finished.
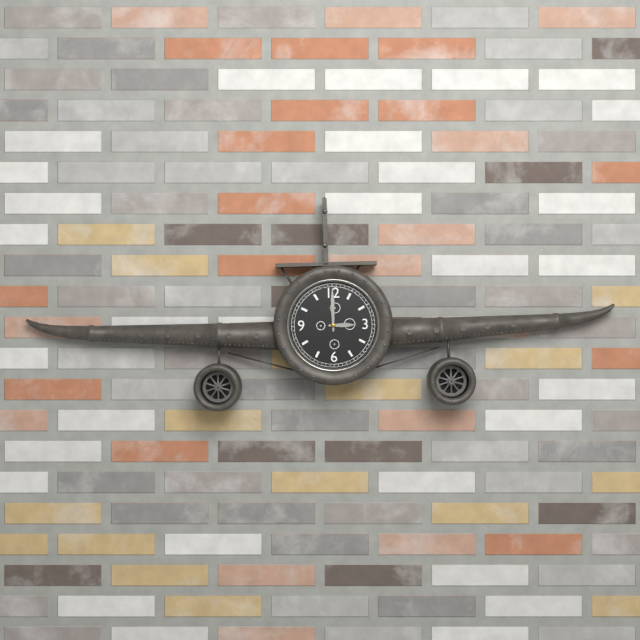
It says 3.00
